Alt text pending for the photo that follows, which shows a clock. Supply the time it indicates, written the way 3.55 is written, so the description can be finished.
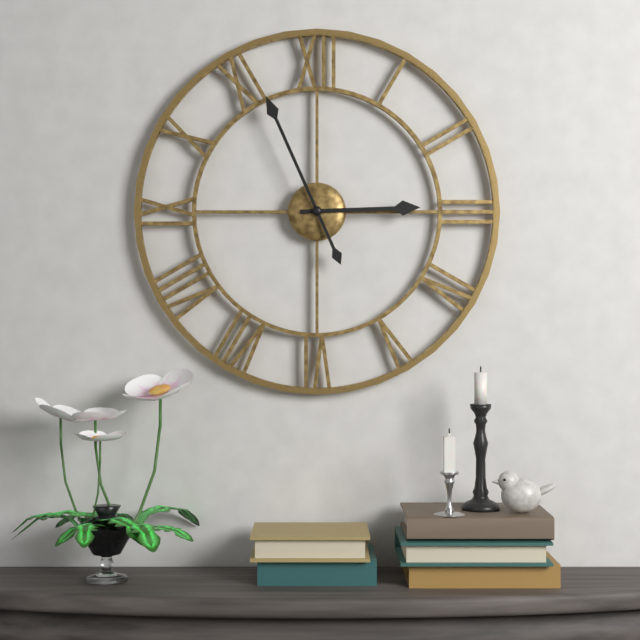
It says 2.56
